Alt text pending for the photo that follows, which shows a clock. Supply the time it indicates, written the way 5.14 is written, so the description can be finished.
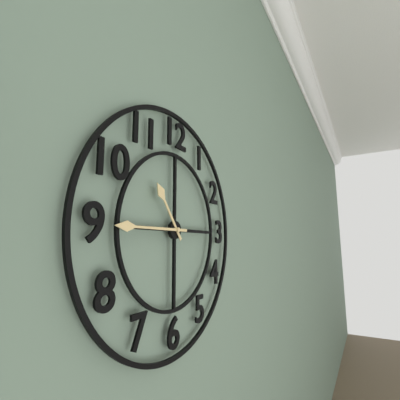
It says 10.45
